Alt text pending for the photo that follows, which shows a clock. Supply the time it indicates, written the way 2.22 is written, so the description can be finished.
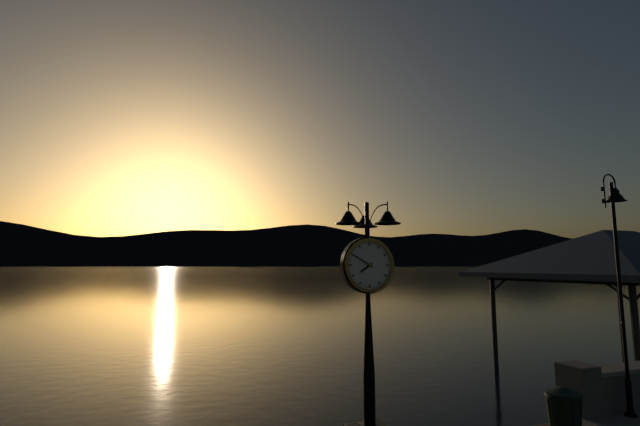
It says 7.50
